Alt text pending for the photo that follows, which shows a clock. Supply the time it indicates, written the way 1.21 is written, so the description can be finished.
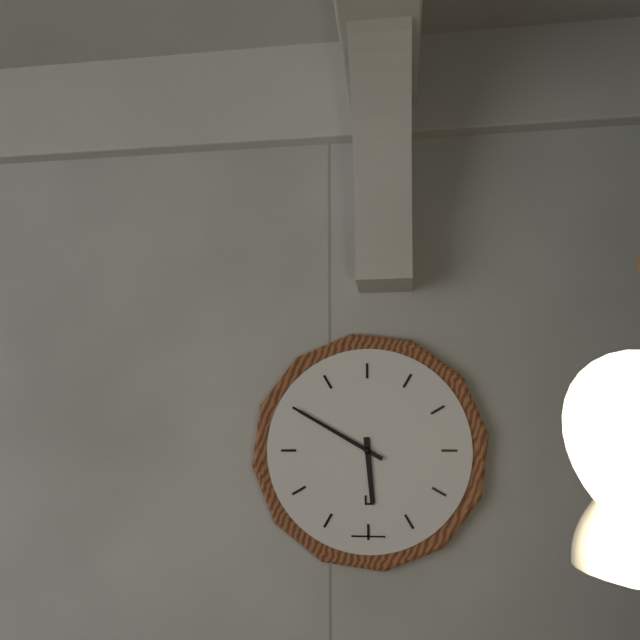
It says 5.50
